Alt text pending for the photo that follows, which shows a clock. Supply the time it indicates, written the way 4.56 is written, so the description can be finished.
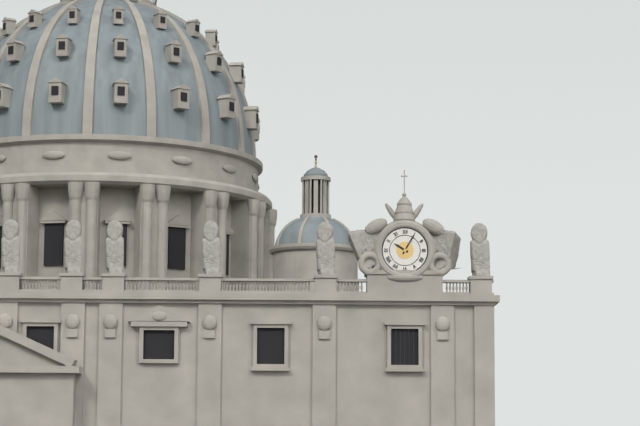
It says 10.05
